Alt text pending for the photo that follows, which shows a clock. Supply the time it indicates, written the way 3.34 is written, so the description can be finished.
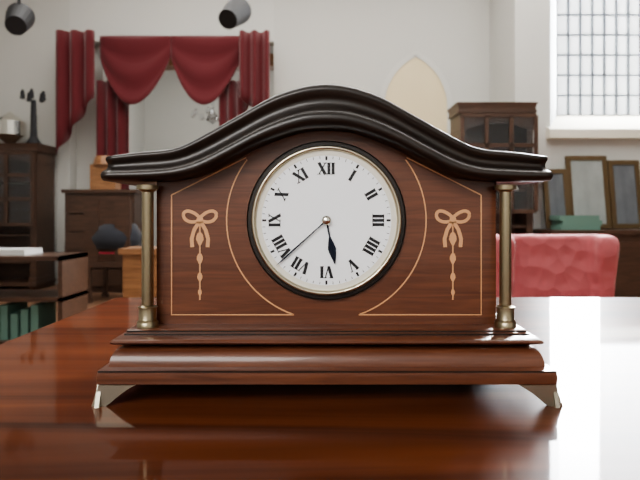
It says 5.38
